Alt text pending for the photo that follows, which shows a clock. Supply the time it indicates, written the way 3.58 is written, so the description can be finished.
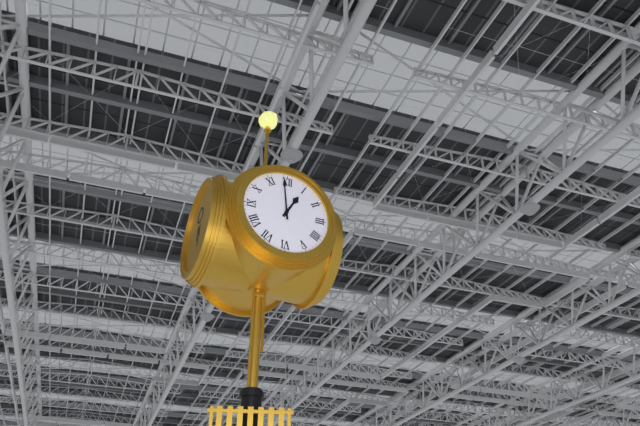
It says 12.59
